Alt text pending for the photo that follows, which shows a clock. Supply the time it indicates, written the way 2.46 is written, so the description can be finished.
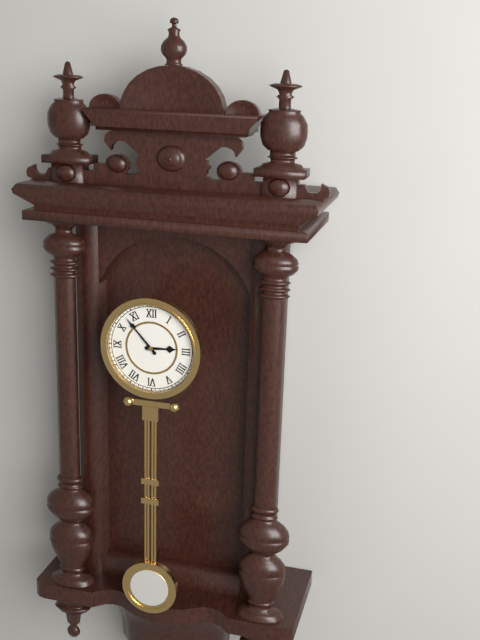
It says 2.53
